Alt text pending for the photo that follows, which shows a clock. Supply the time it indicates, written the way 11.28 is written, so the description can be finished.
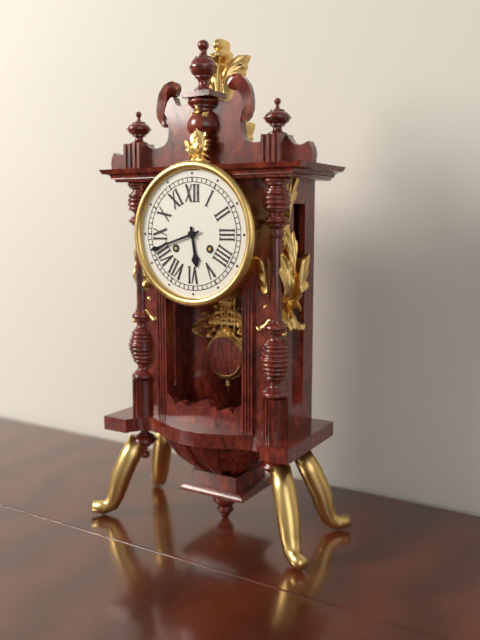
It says 5.42
